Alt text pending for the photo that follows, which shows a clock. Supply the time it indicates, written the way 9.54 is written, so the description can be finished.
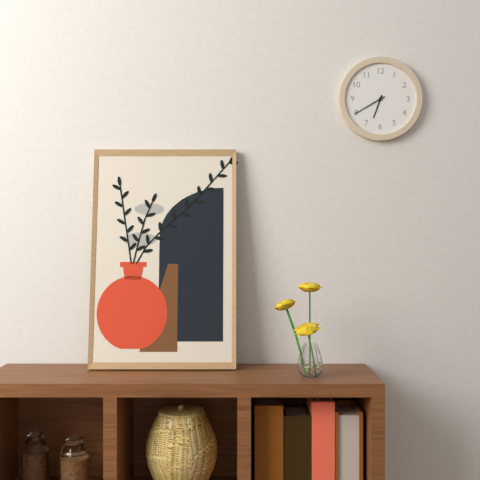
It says 6.40
